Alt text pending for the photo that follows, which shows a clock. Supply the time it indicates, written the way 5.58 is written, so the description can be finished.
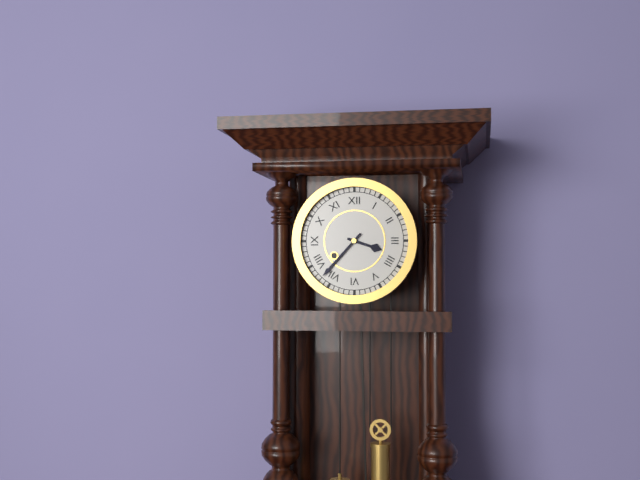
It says 3.37
